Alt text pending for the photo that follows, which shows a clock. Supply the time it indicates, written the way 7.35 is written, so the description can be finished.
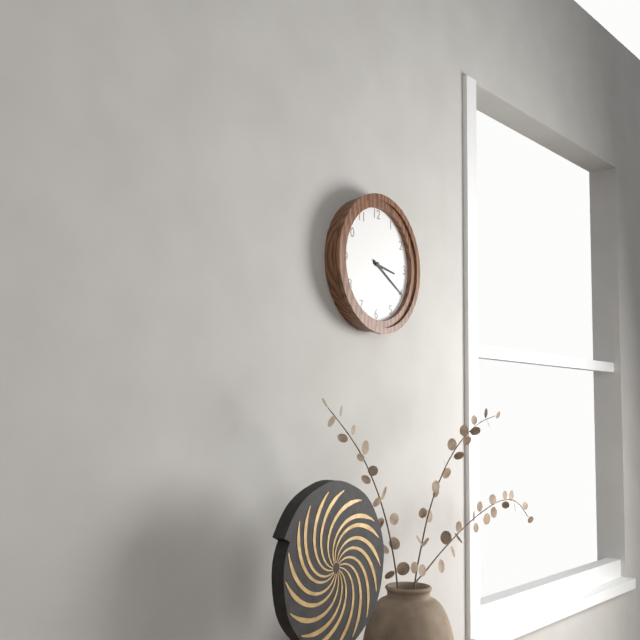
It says 3.20
